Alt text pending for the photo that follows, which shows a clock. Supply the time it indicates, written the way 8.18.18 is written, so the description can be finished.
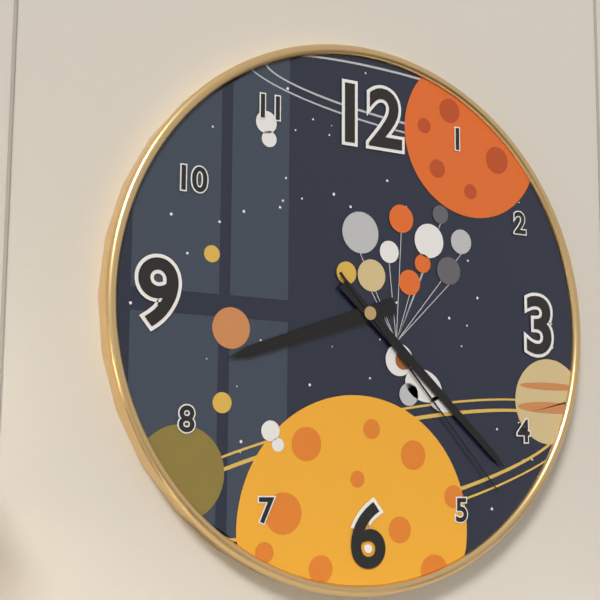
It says 8.22.23
